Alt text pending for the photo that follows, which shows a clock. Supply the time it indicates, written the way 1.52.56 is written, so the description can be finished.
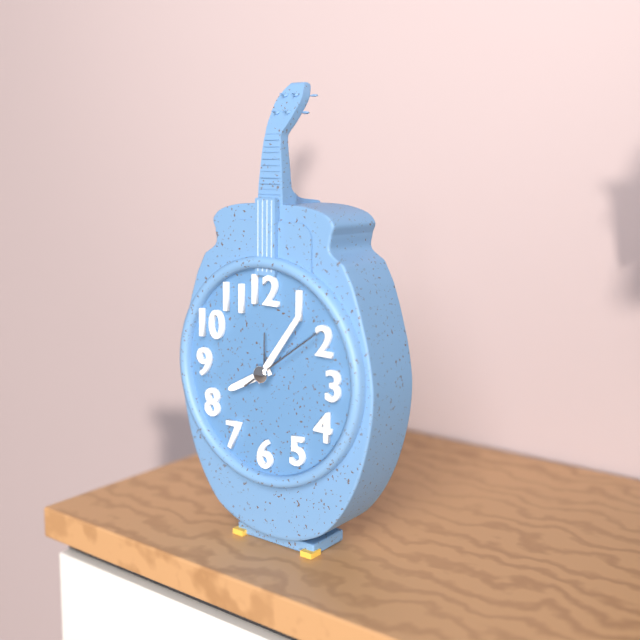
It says 8.06.09
